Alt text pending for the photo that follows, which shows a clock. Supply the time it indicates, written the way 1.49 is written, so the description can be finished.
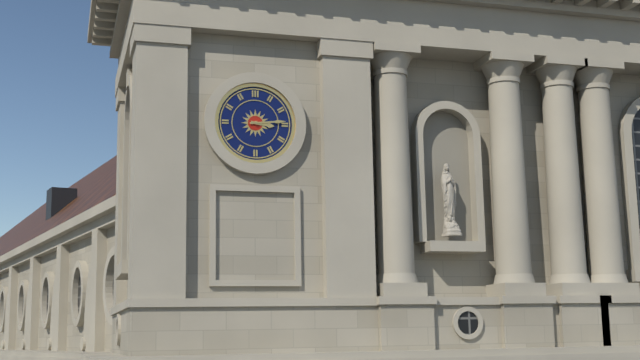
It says 3.14
